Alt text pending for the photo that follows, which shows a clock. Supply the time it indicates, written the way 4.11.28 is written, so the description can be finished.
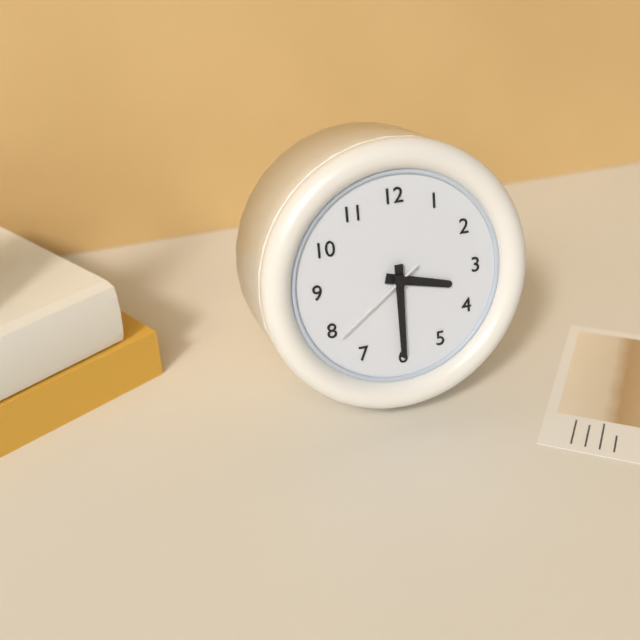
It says 3.30.39
